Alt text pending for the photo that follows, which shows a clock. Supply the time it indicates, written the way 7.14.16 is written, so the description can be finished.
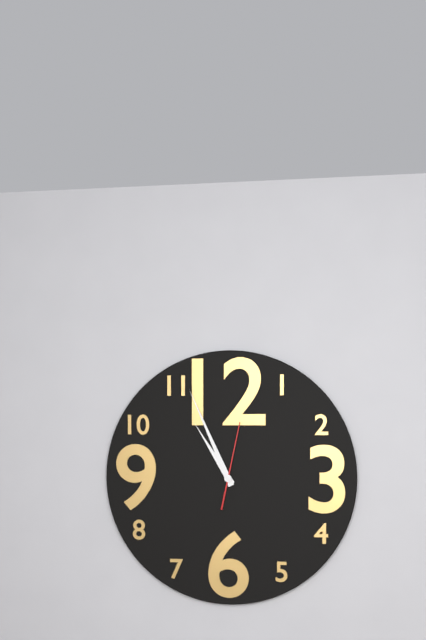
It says 10.56.02
